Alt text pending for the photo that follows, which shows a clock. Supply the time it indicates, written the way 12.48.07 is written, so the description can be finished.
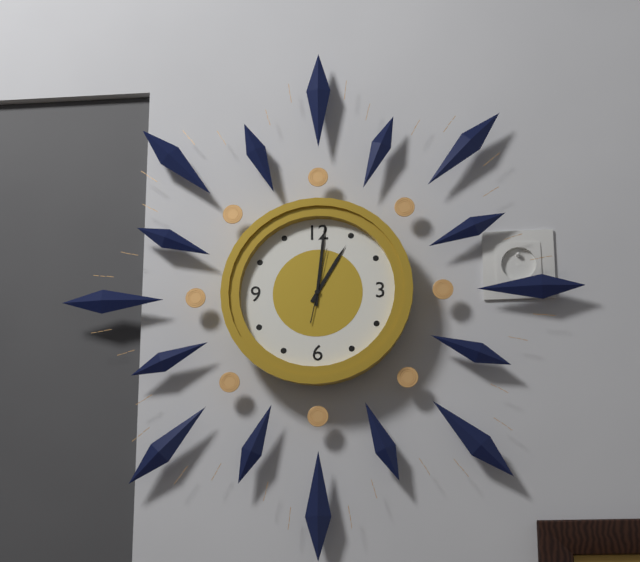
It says 1.01.02
